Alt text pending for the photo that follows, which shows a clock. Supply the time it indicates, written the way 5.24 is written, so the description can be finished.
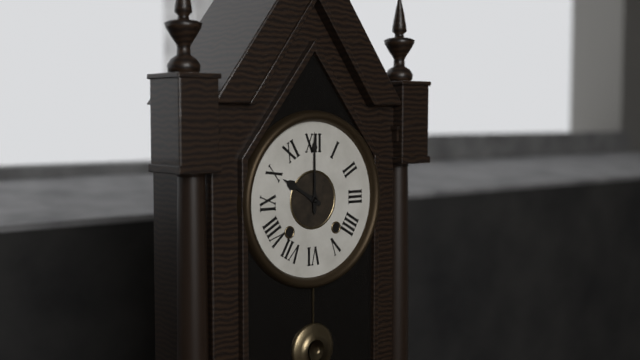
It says 10.00
